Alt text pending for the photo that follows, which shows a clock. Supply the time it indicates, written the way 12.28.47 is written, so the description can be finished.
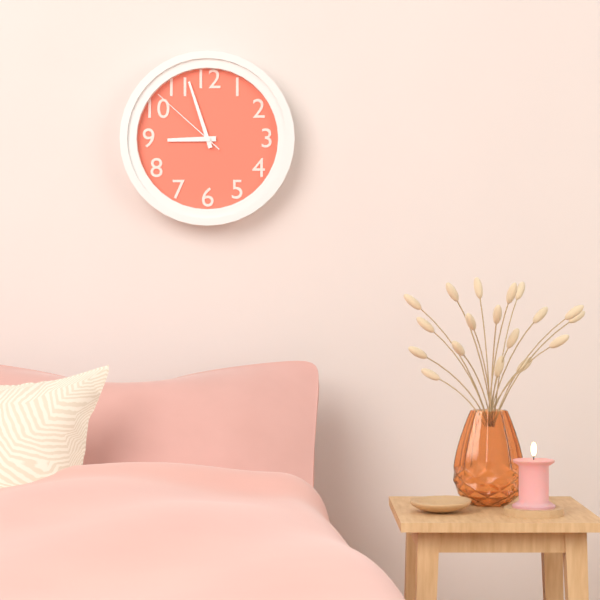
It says 8.57.52
